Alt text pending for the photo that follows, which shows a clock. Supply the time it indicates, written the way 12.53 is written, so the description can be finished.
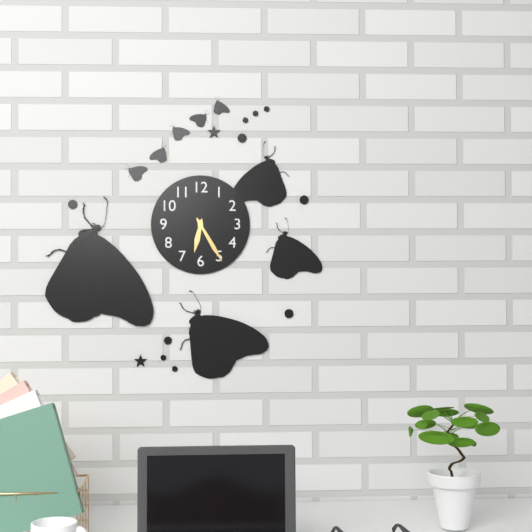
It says 6.25
